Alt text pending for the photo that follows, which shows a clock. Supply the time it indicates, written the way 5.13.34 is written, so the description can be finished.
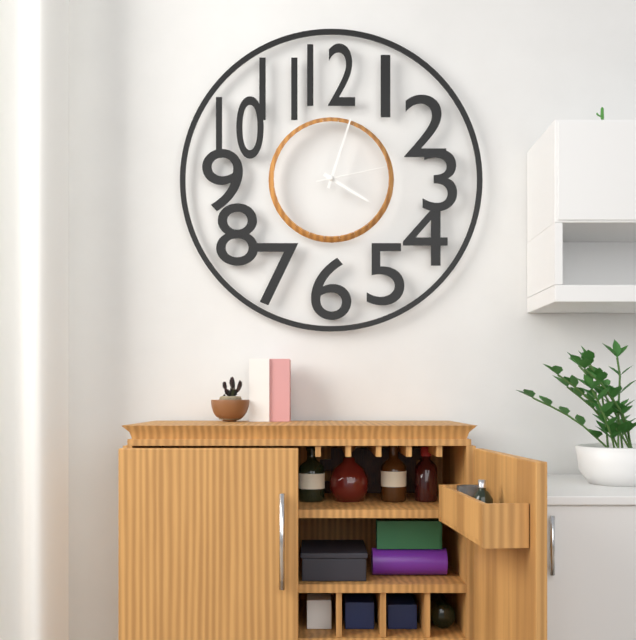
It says 4.03.13
